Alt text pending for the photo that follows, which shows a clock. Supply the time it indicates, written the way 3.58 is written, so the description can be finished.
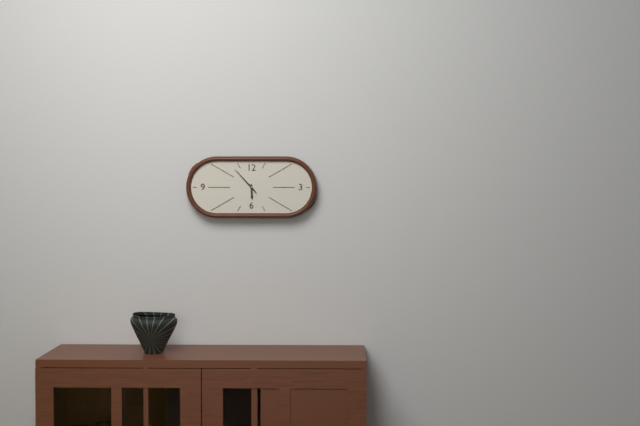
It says 5.53
